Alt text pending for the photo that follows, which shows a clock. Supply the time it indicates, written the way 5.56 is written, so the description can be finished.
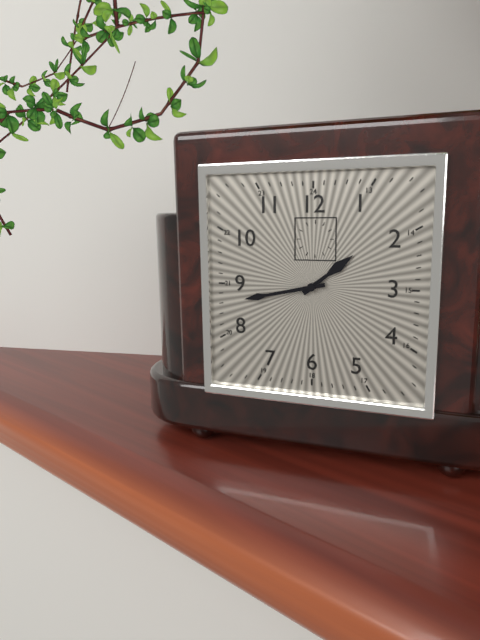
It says 1.43
